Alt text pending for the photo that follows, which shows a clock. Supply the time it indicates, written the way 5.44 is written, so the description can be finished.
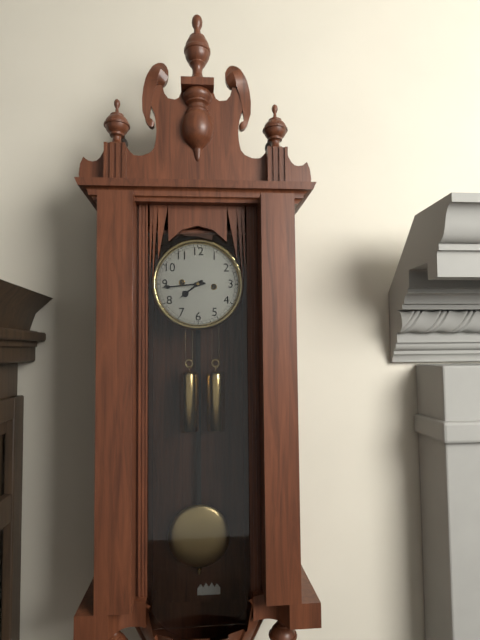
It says 7.44
